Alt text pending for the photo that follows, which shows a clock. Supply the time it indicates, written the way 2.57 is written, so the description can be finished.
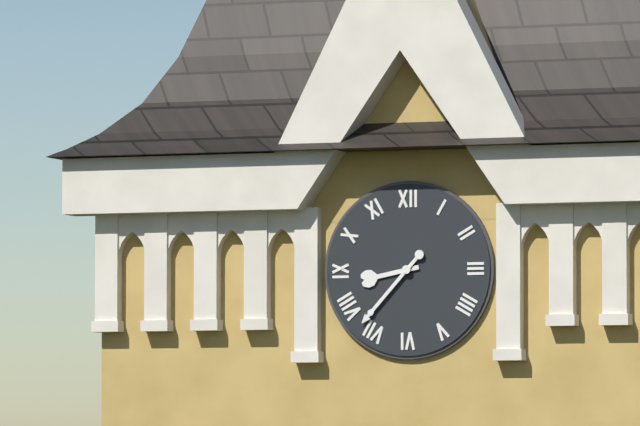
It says 8.37
